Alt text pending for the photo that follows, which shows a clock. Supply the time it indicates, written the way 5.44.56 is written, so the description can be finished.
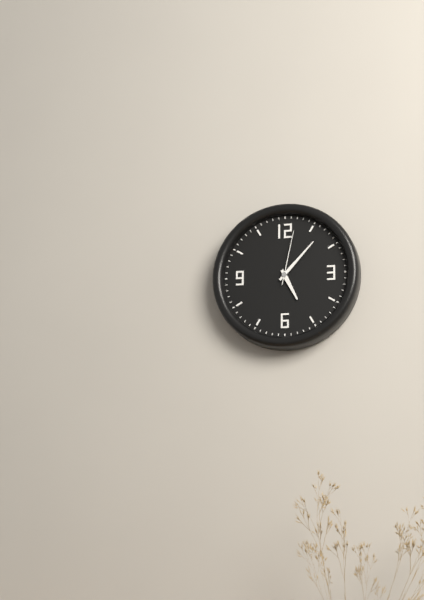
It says 5.07.02
